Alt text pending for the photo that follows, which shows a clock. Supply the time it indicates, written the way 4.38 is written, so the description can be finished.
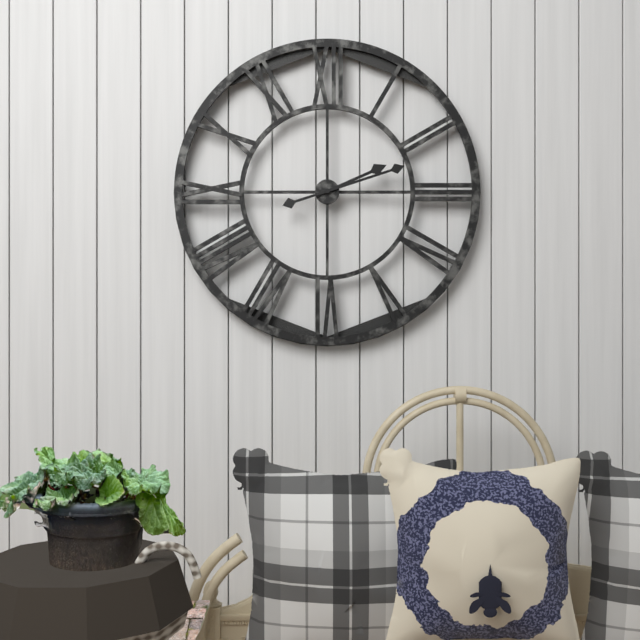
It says 2.12
